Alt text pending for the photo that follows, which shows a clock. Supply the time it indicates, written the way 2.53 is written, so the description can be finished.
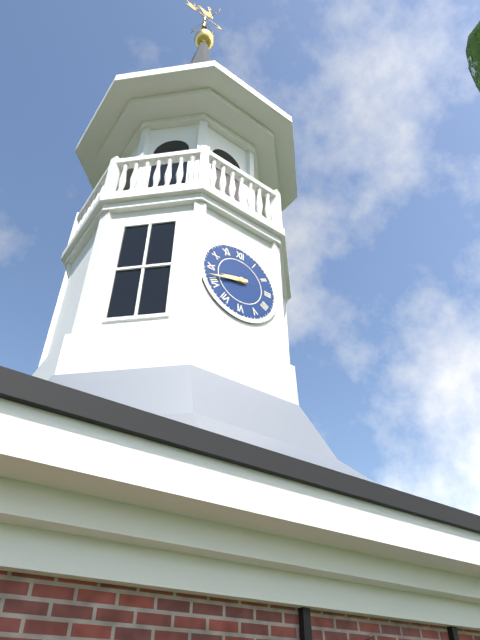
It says 8.42
